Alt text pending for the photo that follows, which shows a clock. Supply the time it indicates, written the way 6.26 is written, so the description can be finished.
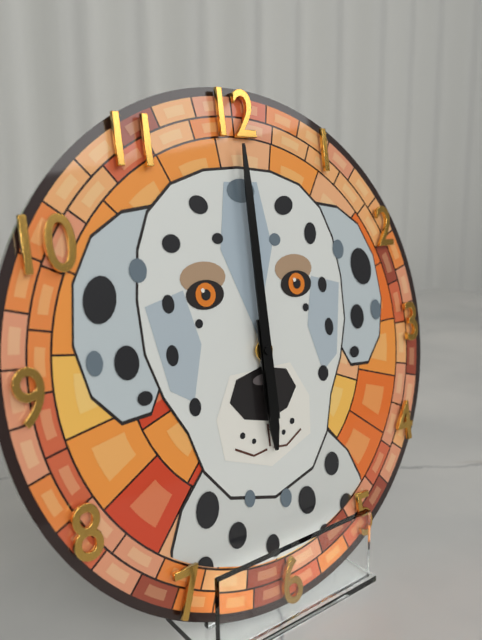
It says 6.00
